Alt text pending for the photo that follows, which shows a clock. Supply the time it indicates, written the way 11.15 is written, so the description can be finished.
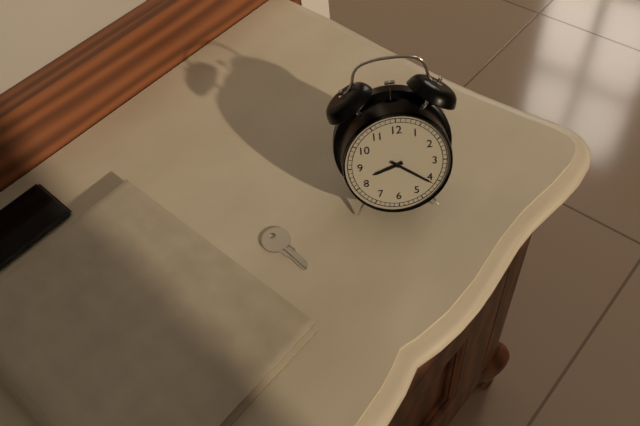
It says 8.21
